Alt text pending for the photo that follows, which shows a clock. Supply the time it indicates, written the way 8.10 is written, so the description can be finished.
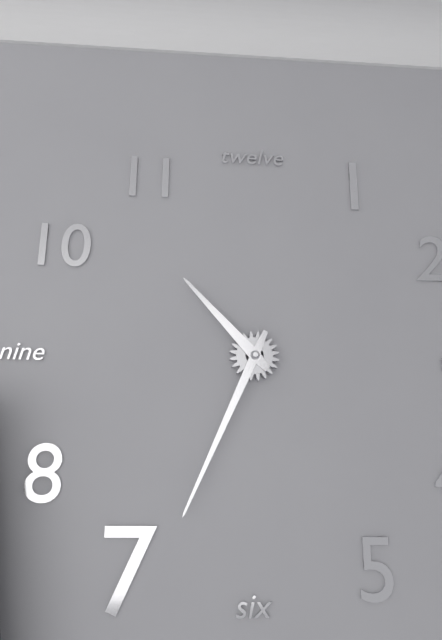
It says 10.34
